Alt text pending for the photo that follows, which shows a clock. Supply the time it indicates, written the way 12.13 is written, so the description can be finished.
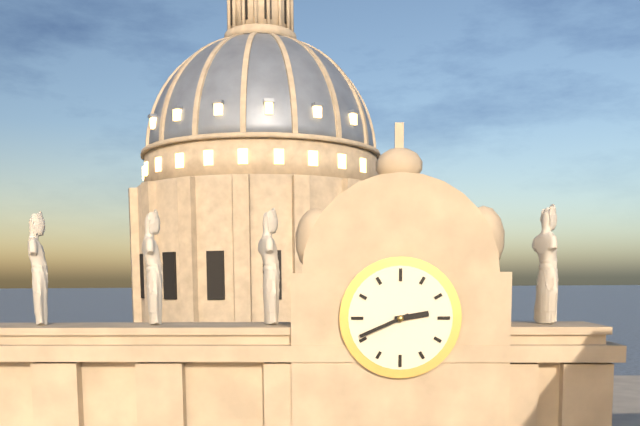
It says 2.41
